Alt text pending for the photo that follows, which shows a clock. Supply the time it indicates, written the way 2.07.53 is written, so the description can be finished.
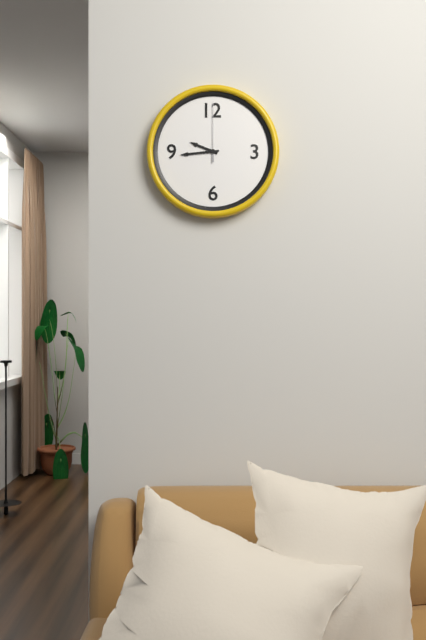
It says 9.44.00
